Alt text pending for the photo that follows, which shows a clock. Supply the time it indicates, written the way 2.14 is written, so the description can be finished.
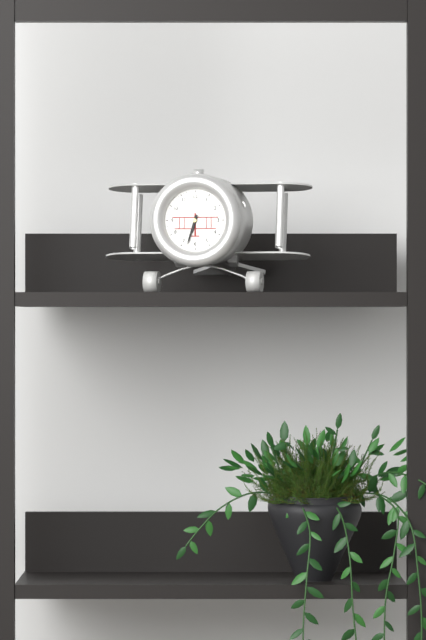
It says 6.33
